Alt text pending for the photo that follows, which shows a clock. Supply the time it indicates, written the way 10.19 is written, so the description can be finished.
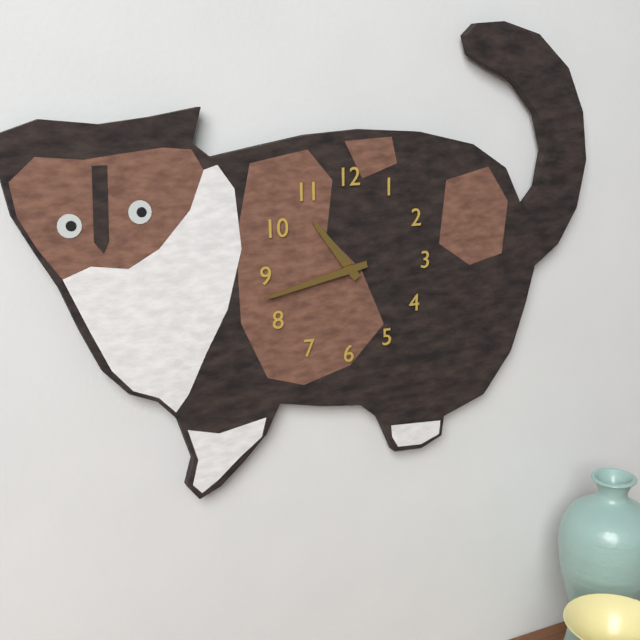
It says 10.43
